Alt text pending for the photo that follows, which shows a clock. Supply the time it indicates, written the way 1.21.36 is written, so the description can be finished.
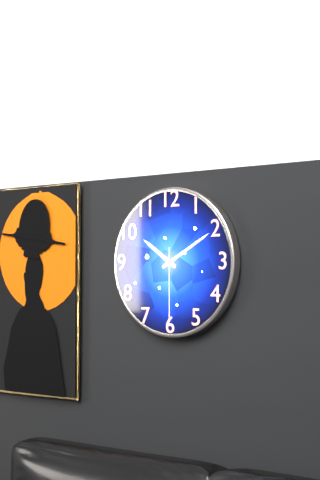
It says 10.10.30
